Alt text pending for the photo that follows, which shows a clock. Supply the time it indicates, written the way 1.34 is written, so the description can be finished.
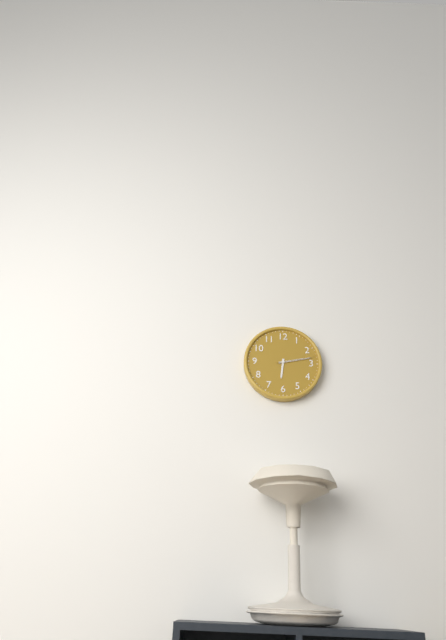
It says 6.13
